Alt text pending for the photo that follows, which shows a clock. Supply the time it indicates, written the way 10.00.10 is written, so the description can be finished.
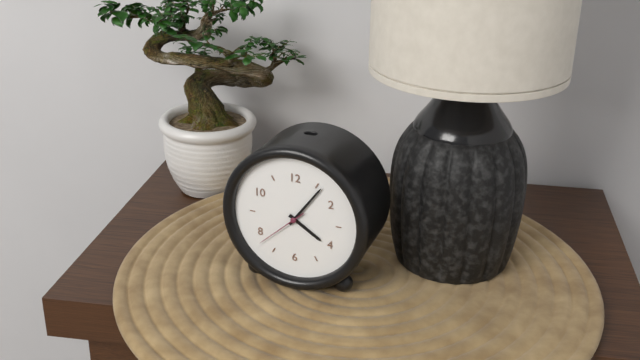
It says 4.06.38
